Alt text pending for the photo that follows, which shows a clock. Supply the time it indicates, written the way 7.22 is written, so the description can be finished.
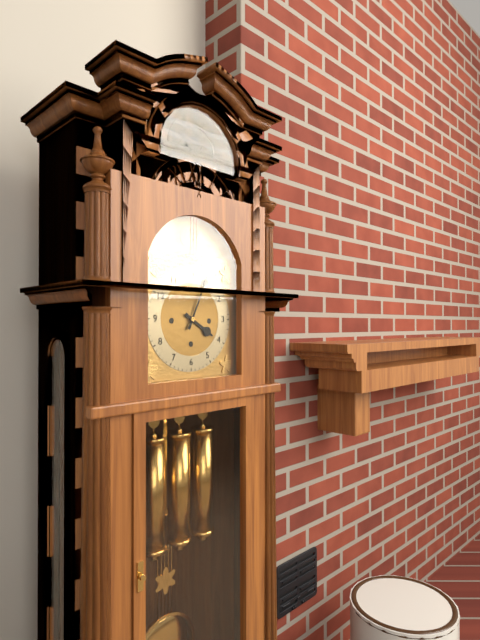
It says 4.04
